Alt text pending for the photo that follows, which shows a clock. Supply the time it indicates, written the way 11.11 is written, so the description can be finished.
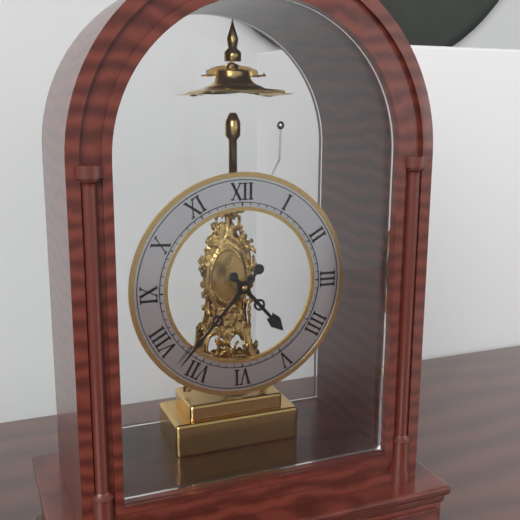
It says 4.37
